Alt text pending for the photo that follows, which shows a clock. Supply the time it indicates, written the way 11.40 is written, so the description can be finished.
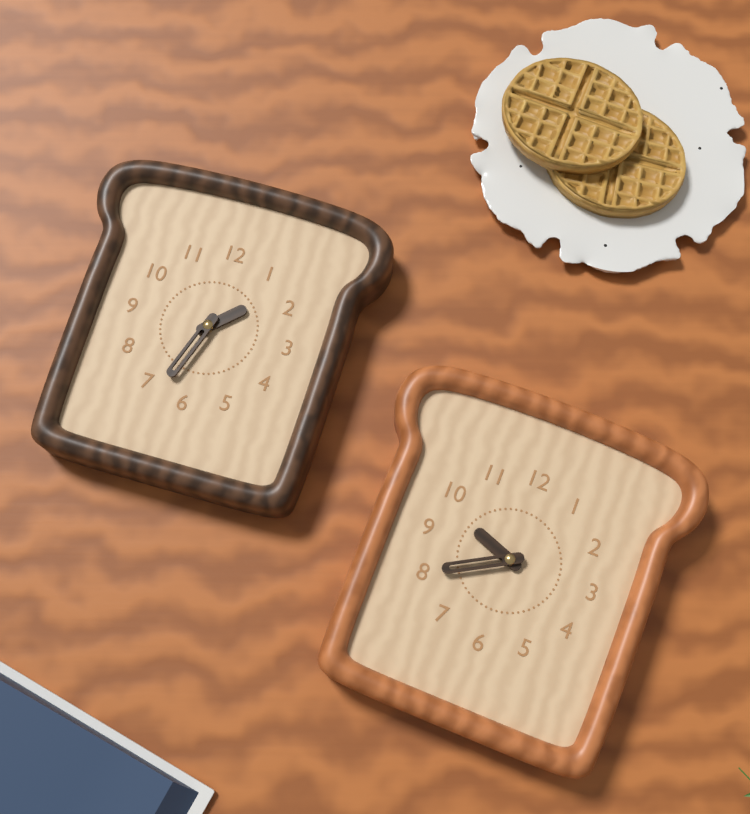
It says 9.40
